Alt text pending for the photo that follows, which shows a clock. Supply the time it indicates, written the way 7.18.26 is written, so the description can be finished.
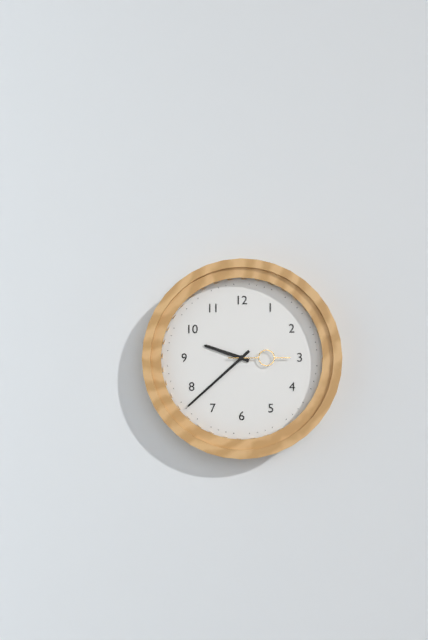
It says 9.38.15
